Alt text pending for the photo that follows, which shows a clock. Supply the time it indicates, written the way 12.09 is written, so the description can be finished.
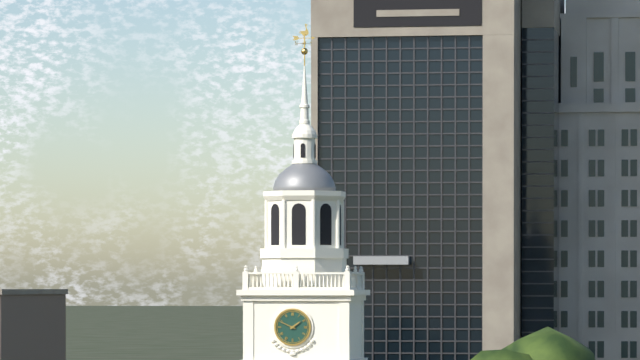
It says 1.49
